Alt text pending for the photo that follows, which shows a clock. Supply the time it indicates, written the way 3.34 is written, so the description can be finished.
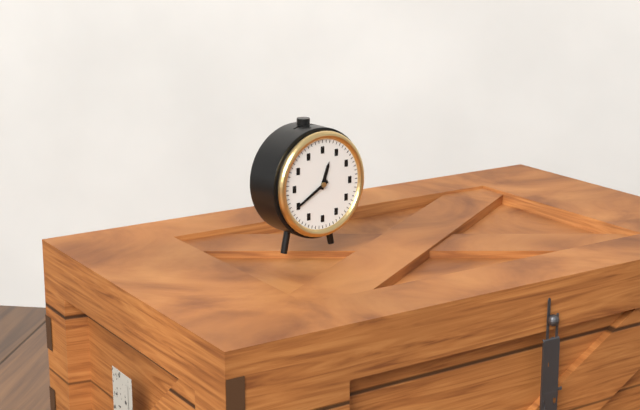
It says 12.40
